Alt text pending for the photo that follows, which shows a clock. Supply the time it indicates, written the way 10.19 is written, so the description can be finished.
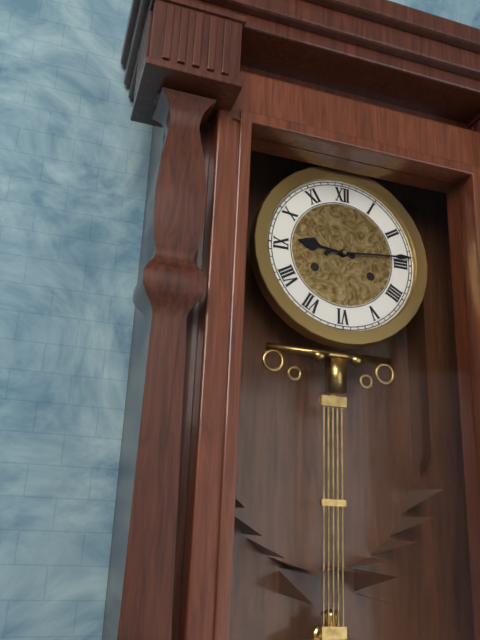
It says 9.14
